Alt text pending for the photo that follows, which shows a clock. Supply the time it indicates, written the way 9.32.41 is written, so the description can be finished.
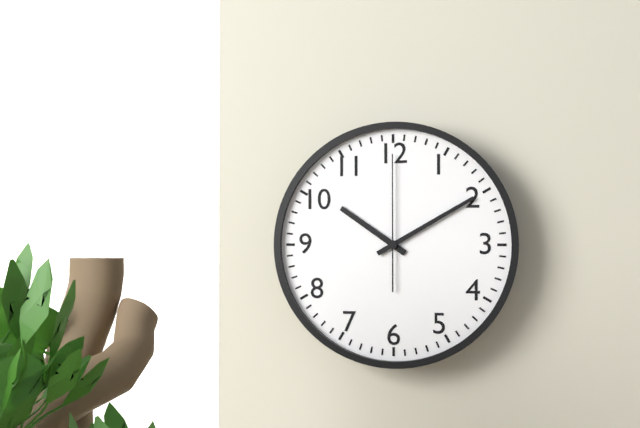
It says 10.10.00
